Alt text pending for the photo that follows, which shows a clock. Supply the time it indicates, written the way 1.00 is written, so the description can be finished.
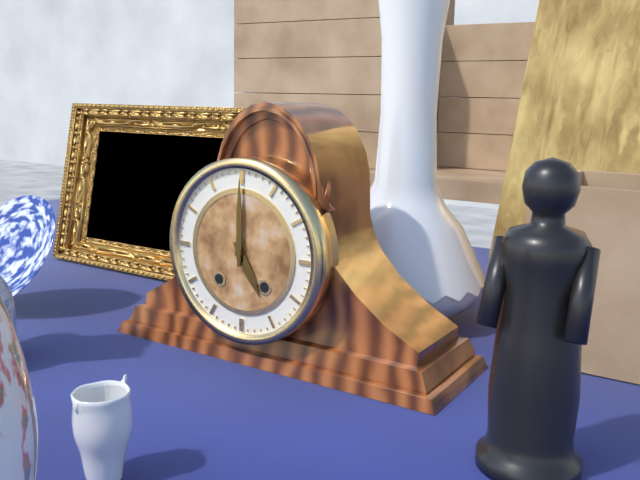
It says 5.00
